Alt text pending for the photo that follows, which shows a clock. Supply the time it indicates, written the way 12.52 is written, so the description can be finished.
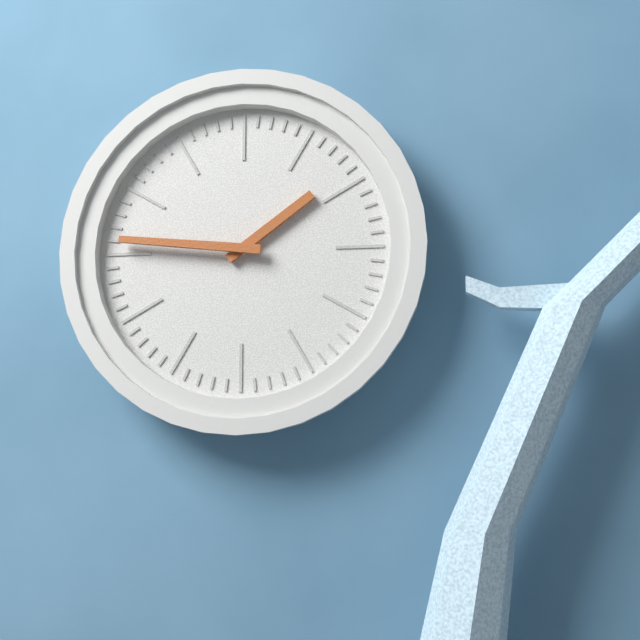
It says 1.46
